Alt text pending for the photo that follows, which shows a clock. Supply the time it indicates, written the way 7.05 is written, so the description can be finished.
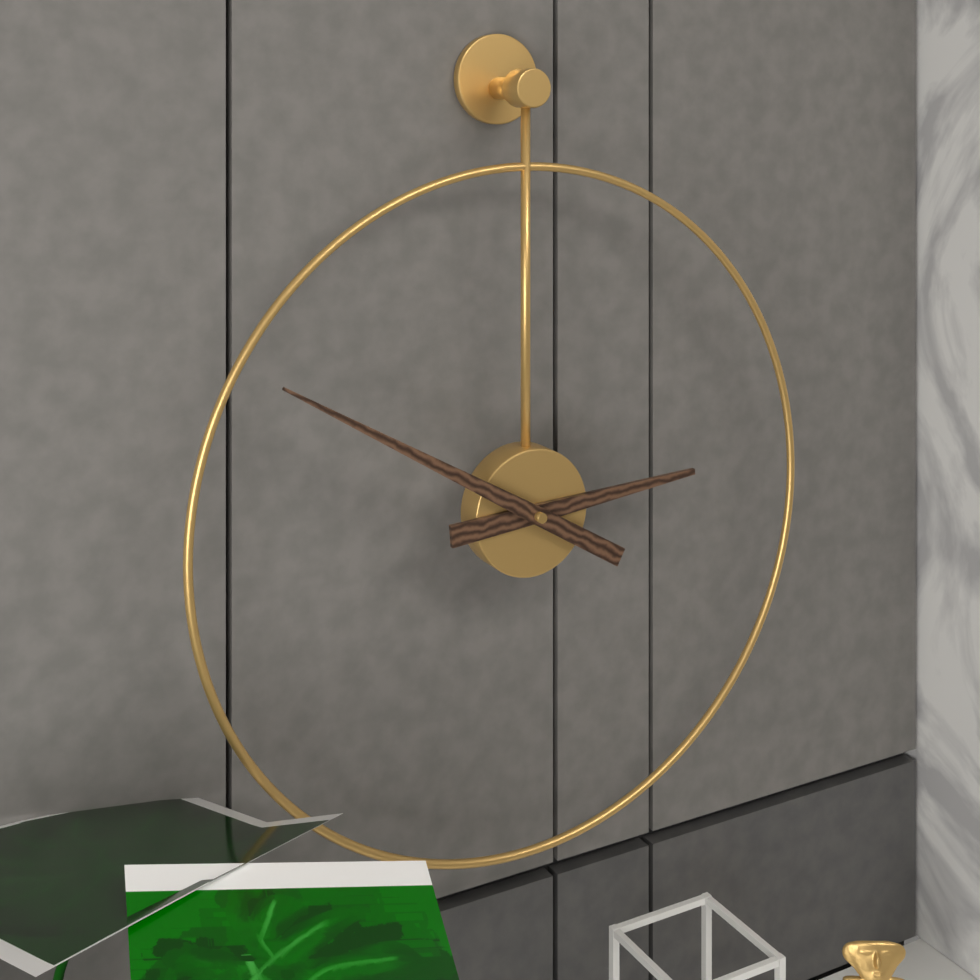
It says 2.50
